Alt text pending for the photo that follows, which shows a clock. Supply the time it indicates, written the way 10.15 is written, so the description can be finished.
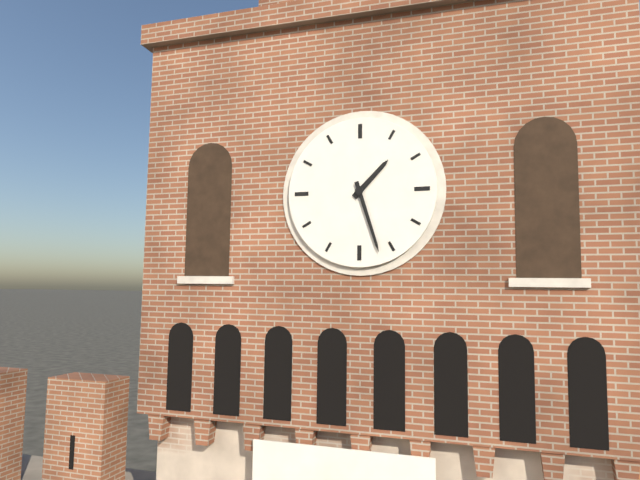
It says 1.27
